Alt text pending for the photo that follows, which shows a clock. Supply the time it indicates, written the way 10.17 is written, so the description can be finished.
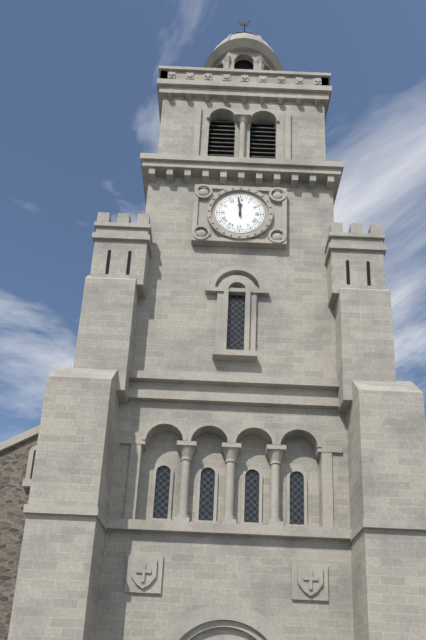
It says 11.59
